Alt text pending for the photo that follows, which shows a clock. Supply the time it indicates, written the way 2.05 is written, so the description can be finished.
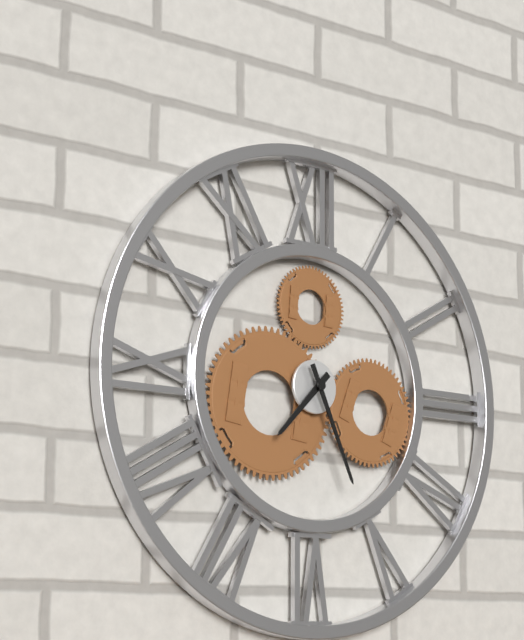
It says 7.26
